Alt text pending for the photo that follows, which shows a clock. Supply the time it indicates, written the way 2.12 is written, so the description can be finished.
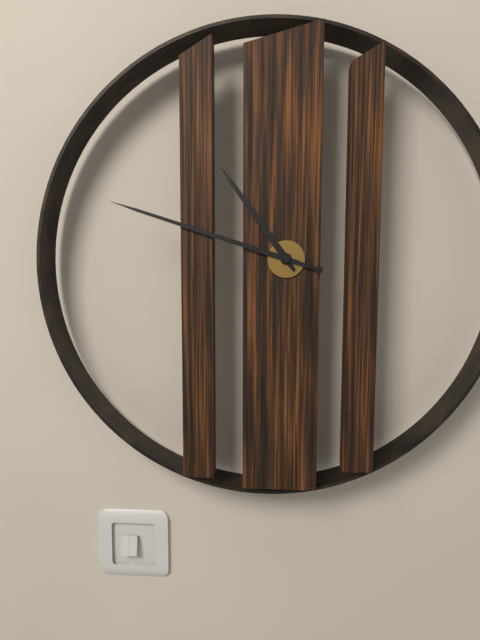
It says 10.48
